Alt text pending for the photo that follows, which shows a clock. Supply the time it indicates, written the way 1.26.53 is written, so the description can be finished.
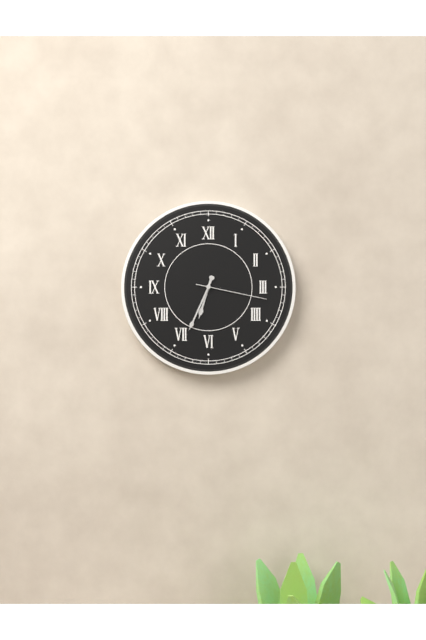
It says 6.34.17
